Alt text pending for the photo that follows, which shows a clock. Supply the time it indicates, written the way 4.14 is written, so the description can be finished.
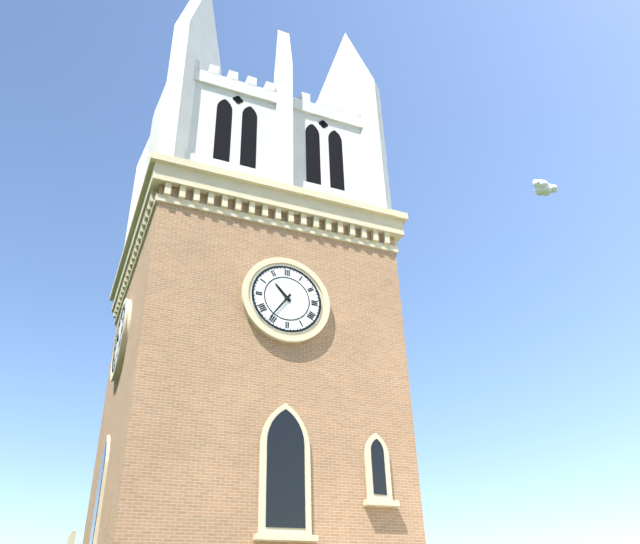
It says 10.36
